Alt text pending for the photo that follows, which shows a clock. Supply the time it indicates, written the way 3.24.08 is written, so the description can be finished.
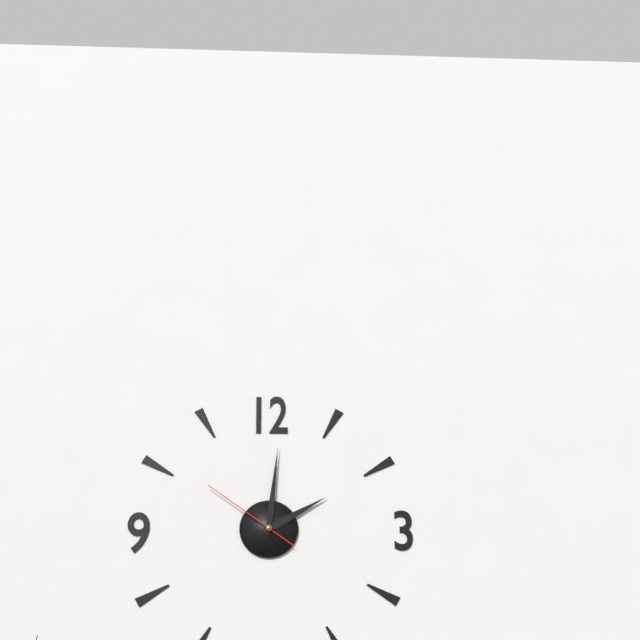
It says 2.01.51
